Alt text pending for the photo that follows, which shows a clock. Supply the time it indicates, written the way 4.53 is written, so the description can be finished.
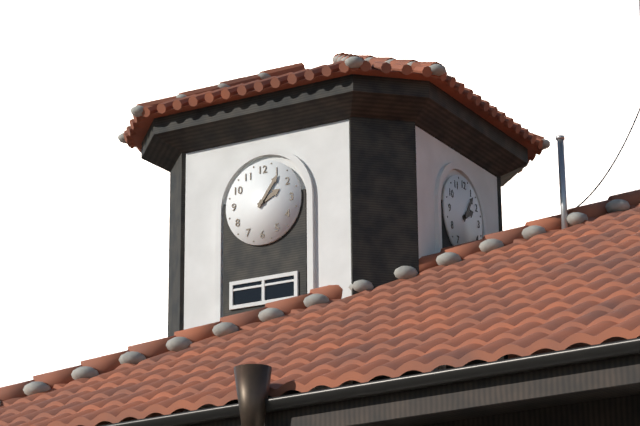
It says 2.06
